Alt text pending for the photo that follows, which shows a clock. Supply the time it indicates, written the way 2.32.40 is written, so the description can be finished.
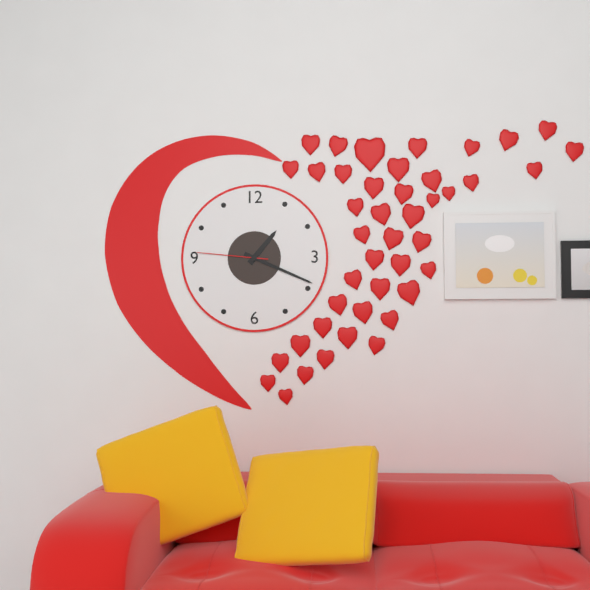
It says 1.19.46
